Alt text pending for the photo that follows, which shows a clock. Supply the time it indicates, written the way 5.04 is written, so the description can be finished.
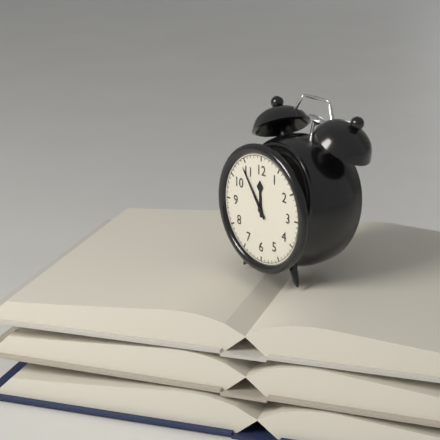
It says 11.54
